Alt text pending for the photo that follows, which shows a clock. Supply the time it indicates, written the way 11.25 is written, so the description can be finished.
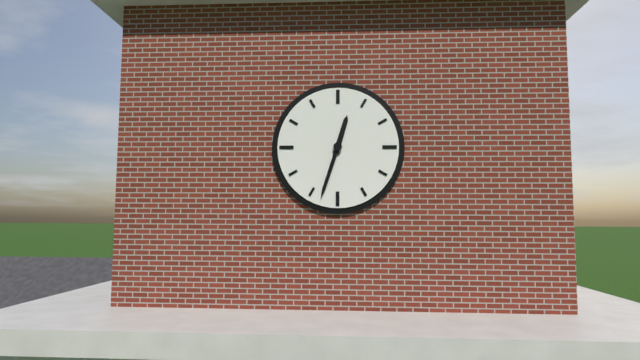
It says 12.33
